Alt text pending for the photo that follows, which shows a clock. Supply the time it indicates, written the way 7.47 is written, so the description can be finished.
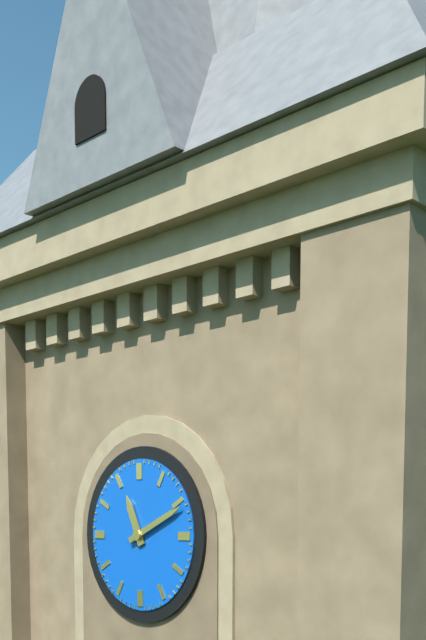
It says 11.11
